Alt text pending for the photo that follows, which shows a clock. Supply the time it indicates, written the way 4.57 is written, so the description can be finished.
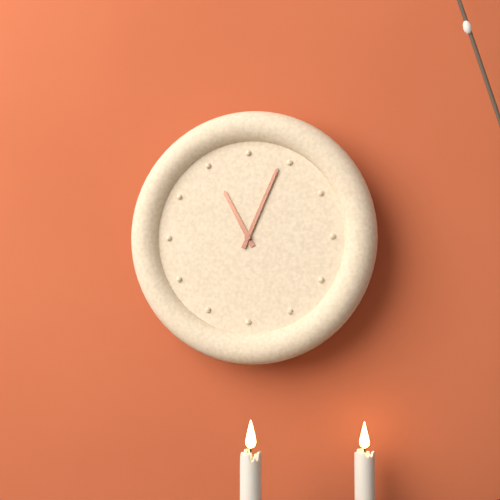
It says 11.04
